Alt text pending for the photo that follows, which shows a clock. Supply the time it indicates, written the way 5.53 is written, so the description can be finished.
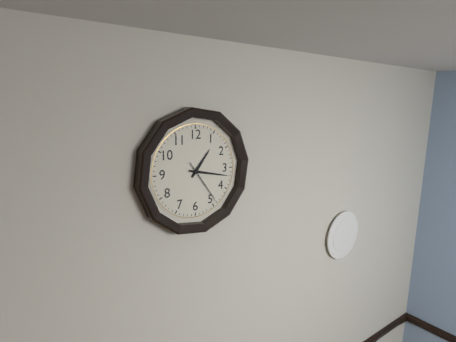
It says 1.17
